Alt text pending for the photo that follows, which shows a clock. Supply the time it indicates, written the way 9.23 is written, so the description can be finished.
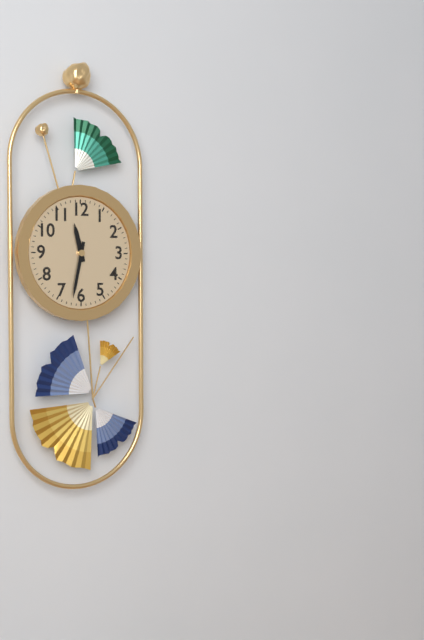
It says 11.32
